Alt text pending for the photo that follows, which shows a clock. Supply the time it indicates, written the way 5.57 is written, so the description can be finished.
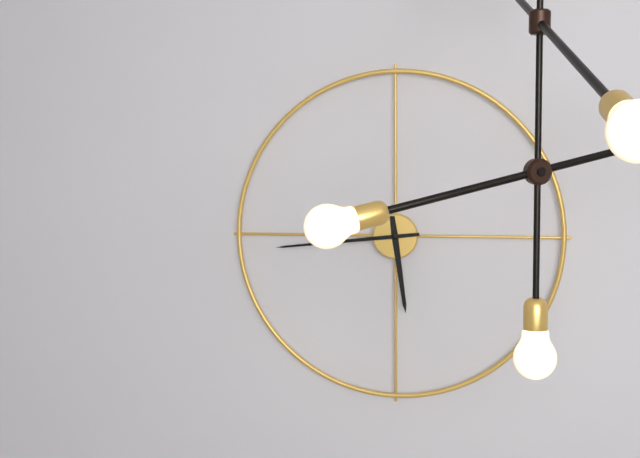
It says 5.44
